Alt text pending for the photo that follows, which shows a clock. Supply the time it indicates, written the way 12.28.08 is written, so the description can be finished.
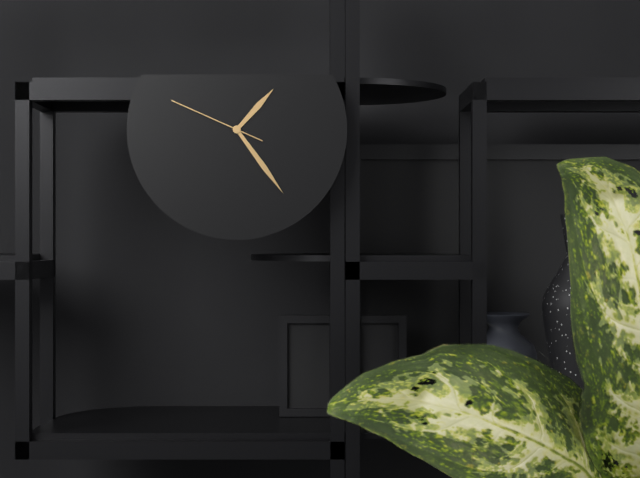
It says 1.24.49
